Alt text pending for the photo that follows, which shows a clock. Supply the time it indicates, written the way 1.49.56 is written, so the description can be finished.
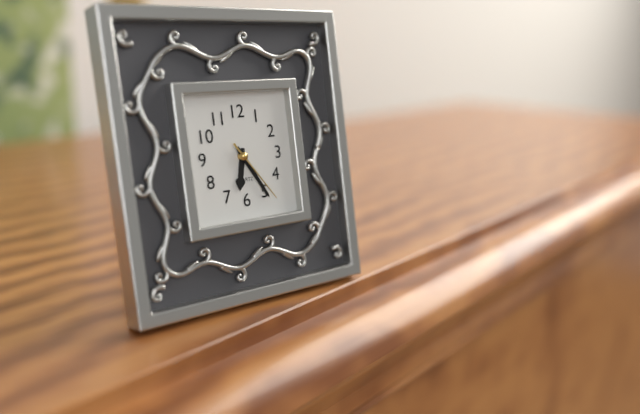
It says 6.25.24
